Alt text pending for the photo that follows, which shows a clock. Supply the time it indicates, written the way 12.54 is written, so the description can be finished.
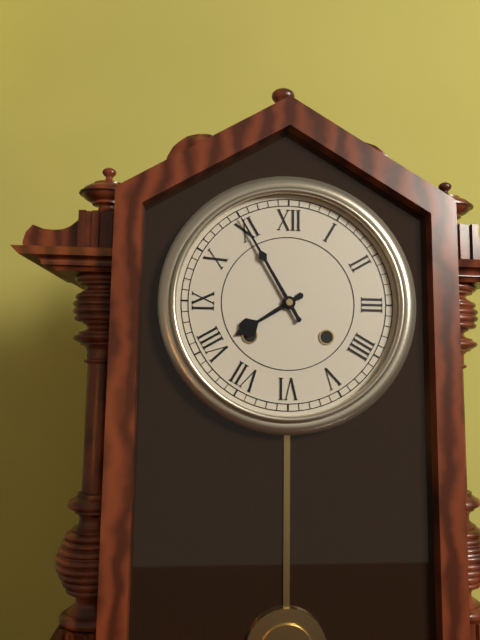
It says 7.55
